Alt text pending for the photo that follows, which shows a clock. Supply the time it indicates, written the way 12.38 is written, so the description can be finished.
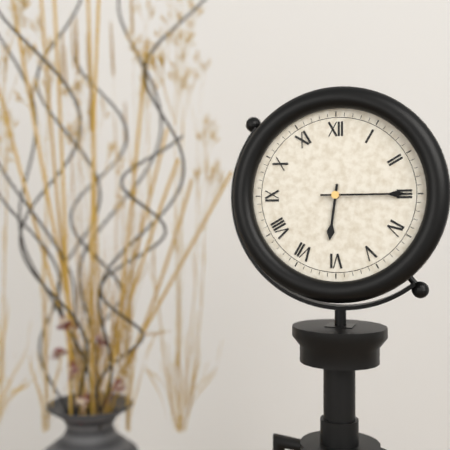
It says 6.15
